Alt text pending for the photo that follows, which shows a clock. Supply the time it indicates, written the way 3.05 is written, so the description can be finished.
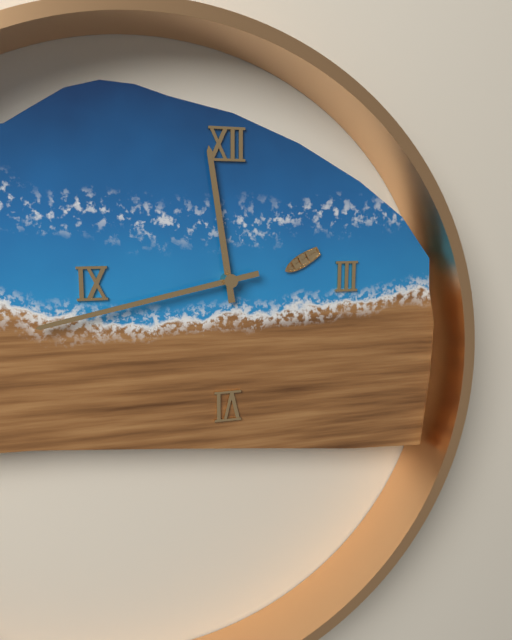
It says 11.43
